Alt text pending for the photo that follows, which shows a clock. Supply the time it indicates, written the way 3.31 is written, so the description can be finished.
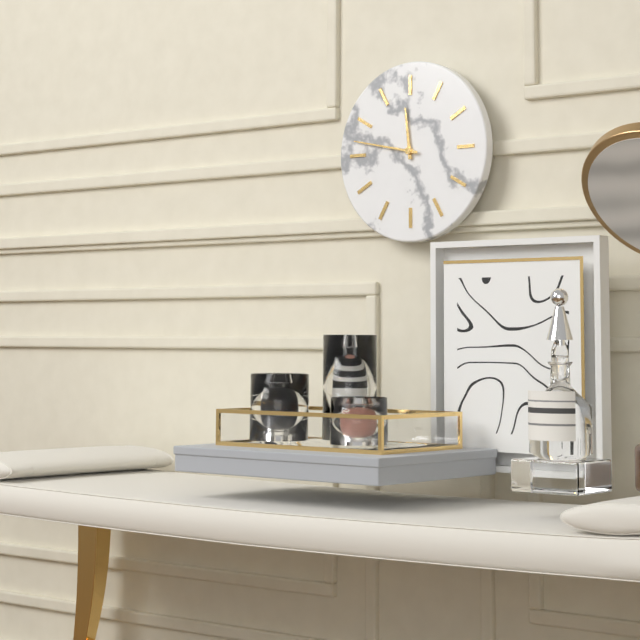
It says 11.47
